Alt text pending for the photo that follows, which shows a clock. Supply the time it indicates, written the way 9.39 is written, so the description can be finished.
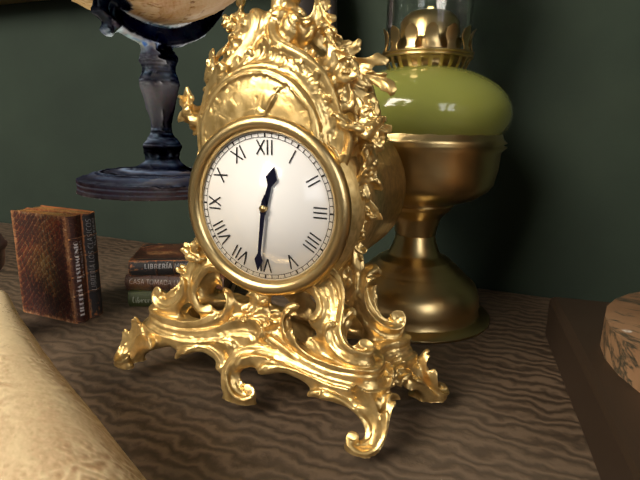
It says 12.31
